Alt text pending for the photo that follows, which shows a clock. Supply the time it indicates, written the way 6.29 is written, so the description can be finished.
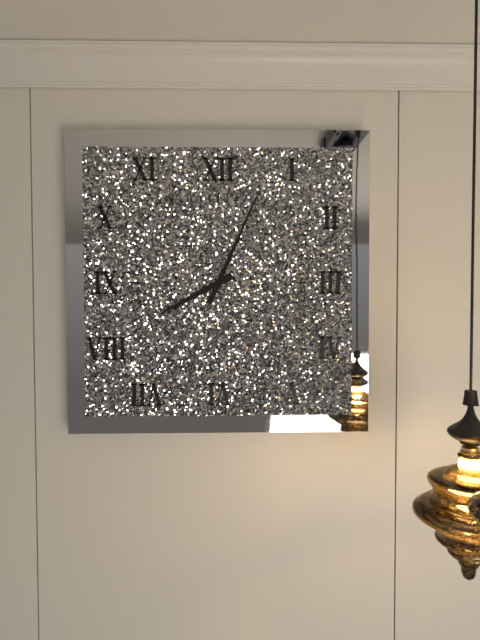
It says 8.04
